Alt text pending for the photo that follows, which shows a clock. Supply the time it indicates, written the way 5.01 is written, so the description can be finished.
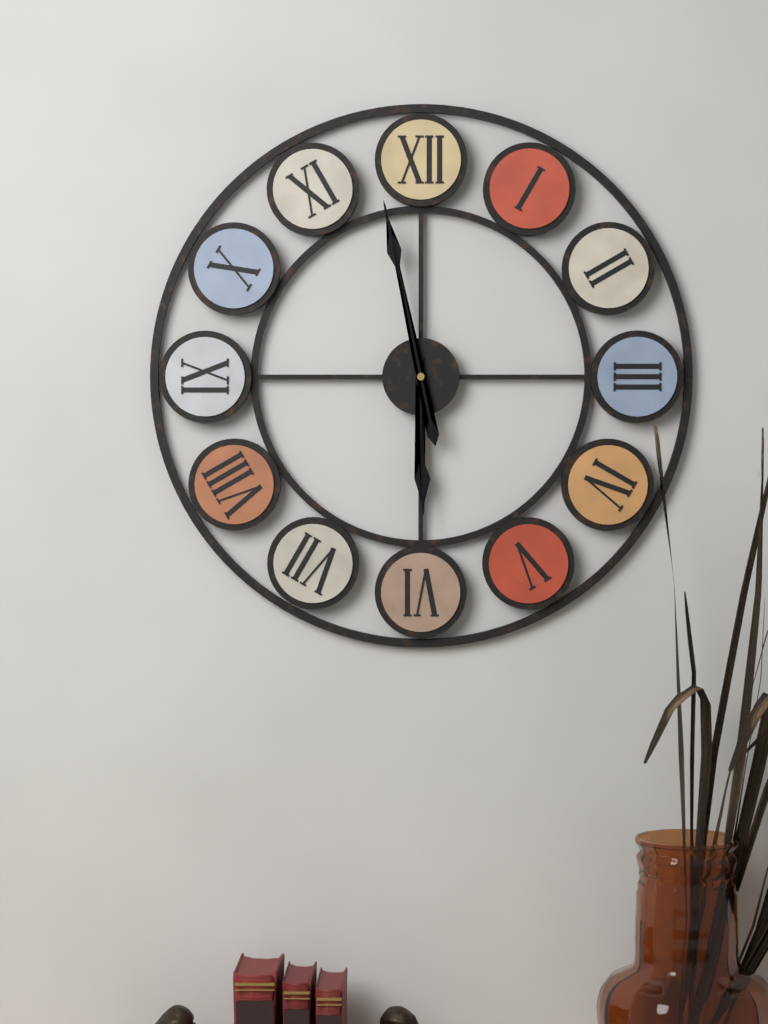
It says 5.58
